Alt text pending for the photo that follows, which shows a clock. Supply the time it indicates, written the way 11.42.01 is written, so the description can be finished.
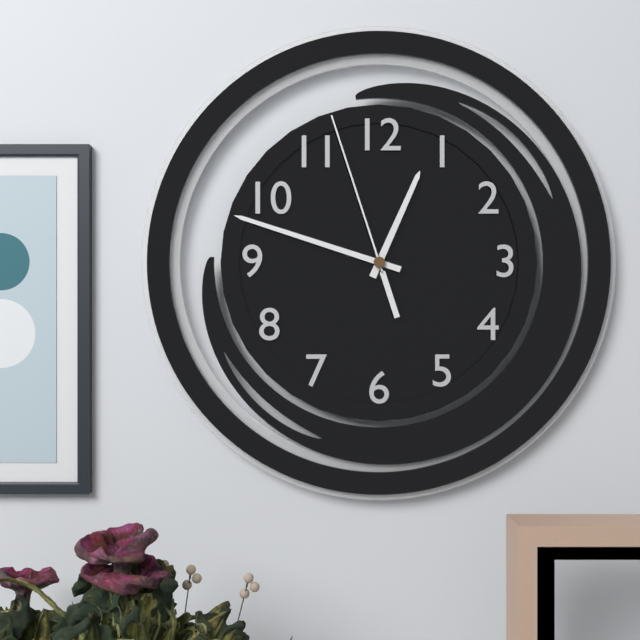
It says 12.48.57
